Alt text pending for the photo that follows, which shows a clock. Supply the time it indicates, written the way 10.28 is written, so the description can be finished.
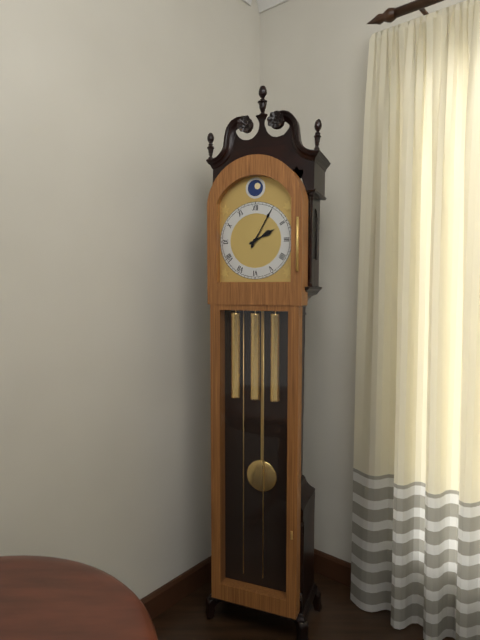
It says 2.05
